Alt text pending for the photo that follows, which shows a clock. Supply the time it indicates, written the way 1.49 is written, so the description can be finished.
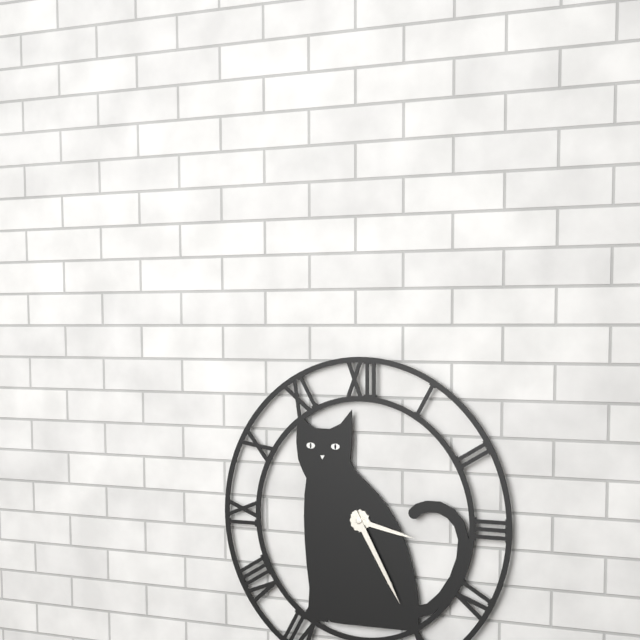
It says 3.25
